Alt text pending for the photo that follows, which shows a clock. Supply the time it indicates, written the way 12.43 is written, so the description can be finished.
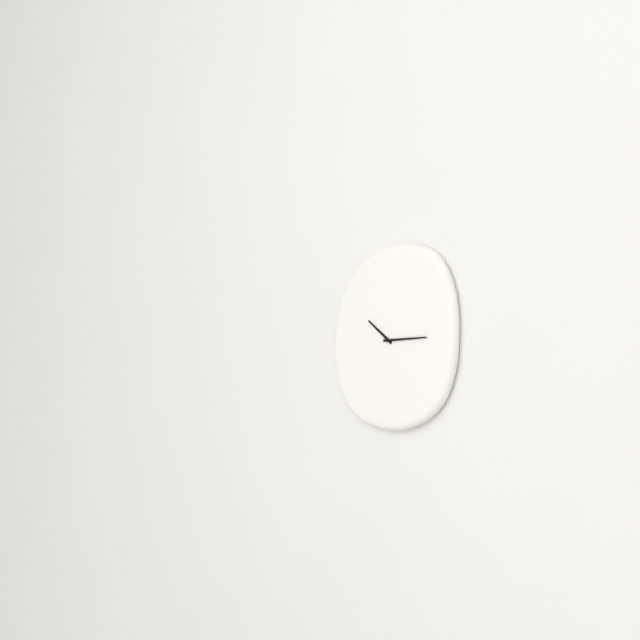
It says 10.15
